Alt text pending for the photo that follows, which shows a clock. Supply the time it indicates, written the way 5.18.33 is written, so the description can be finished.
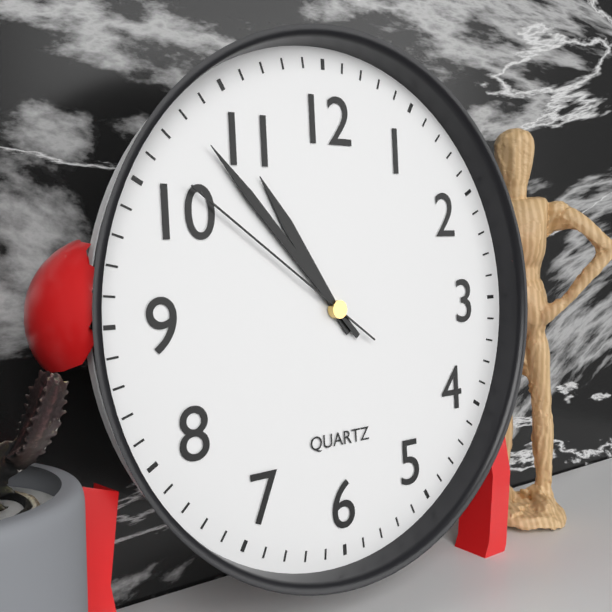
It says 10.53.51
